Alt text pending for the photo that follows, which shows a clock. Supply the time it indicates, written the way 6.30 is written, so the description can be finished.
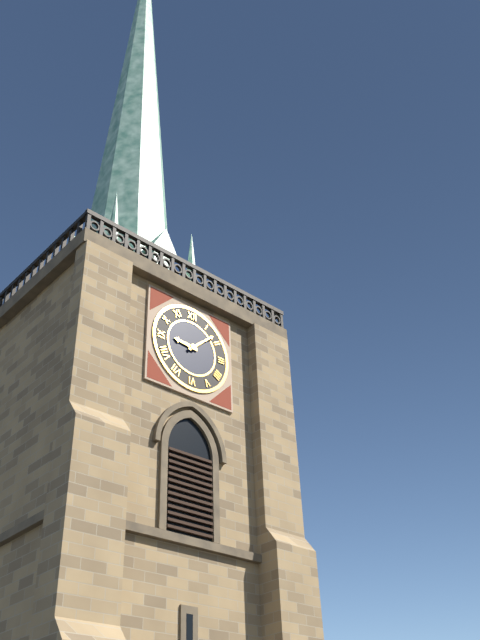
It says 9.08
